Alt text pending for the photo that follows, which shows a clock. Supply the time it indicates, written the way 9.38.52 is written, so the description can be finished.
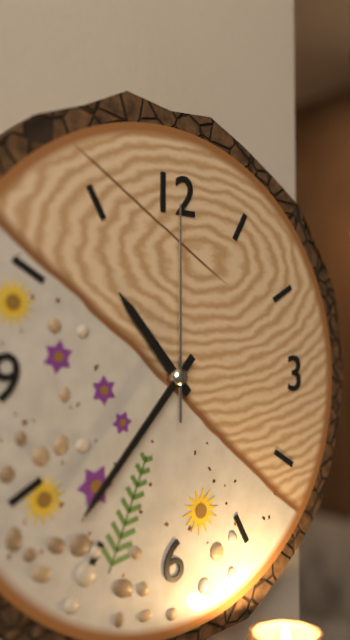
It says 10.37.00
